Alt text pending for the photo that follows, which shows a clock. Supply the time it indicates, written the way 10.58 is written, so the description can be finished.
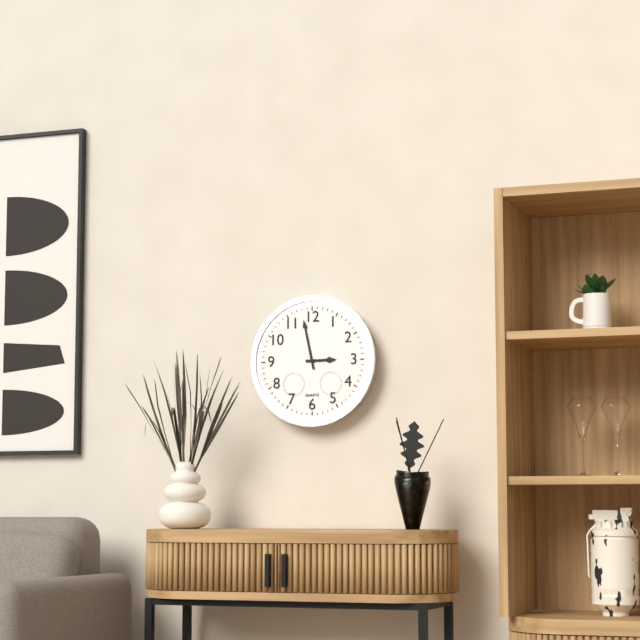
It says 2.58
